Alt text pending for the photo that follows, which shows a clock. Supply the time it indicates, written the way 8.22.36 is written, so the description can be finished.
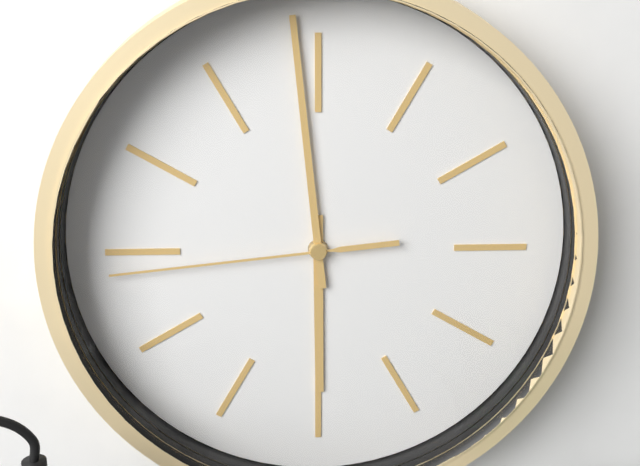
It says 5.59.44
